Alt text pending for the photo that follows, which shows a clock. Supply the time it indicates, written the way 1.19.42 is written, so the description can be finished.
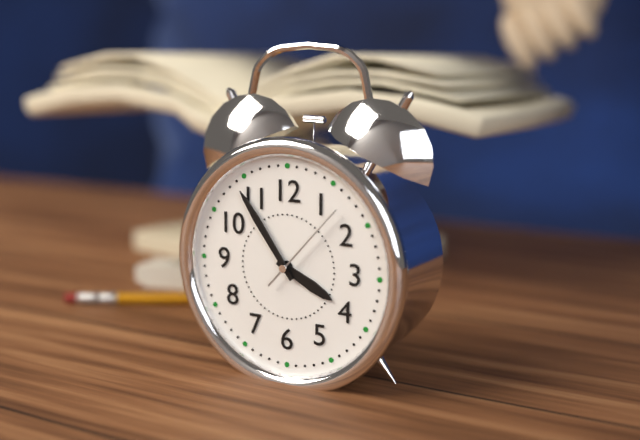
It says 3.54.07
